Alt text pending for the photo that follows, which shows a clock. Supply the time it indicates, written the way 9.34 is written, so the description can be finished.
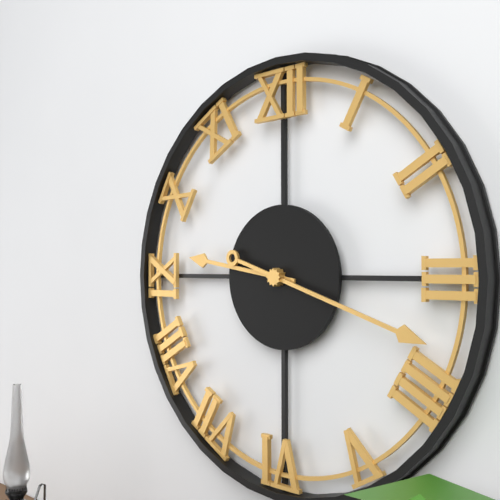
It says 9.18
